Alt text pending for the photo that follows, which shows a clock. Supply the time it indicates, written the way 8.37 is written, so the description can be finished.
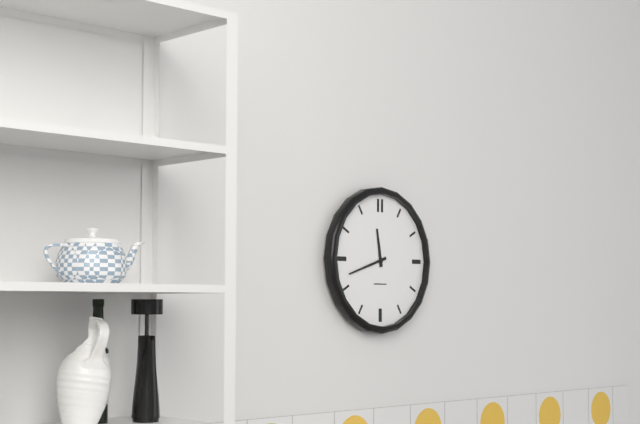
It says 11.42
